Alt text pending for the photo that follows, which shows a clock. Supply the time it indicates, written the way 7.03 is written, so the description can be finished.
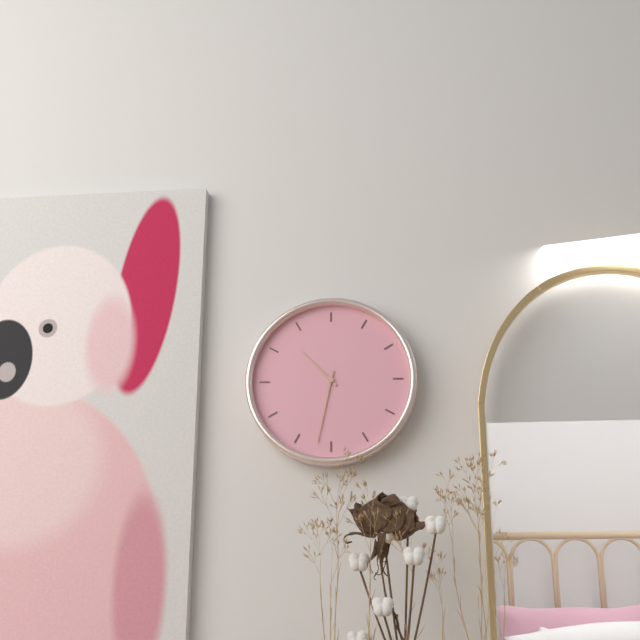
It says 10.32
